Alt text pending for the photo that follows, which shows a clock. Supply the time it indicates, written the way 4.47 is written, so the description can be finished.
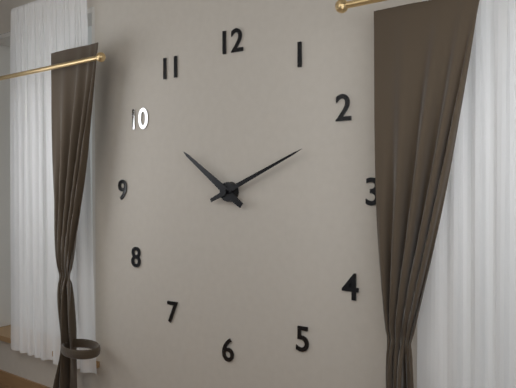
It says 10.11
